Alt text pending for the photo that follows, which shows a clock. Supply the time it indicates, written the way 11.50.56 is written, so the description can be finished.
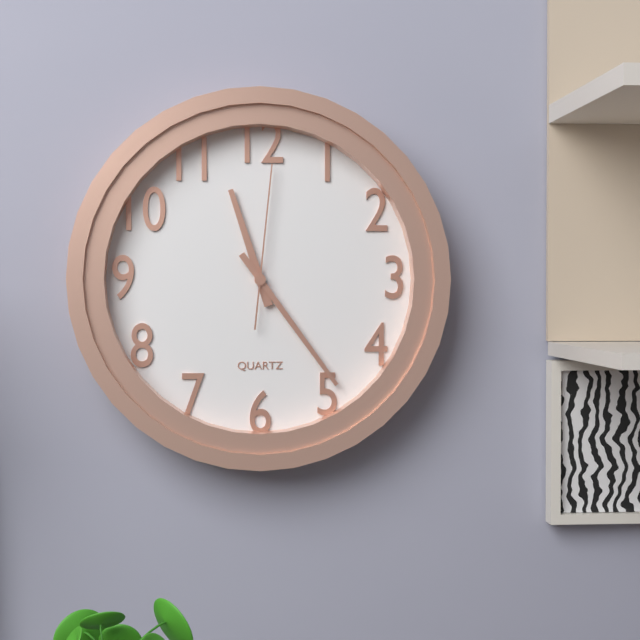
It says 11.24.01
